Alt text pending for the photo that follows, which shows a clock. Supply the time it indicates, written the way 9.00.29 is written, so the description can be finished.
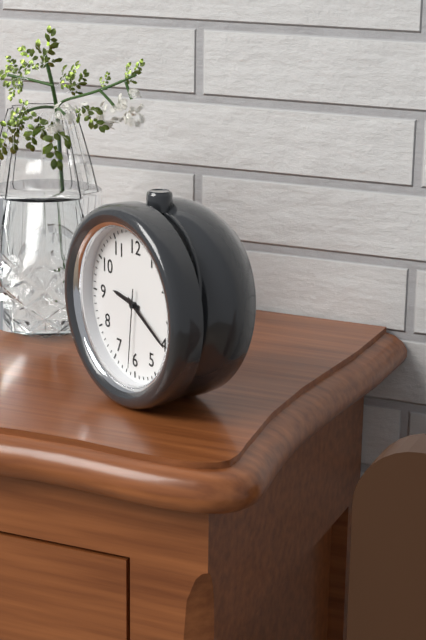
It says 9.20.31
